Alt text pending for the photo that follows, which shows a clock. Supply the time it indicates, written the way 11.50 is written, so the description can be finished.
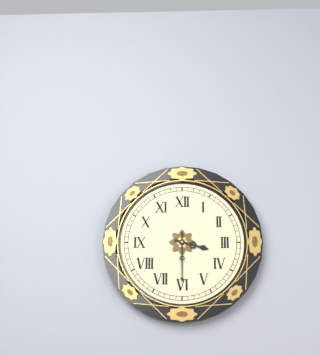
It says 3.30
